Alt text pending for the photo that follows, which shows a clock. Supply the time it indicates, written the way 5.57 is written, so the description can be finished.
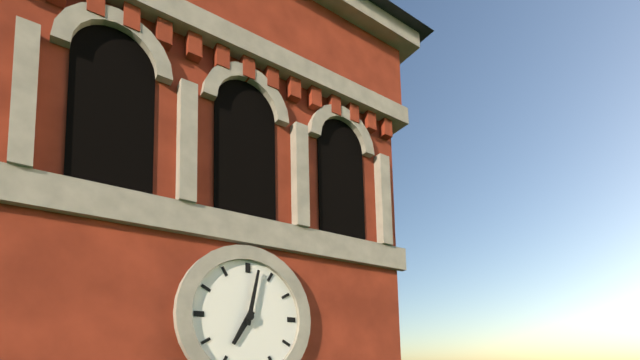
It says 7.02
